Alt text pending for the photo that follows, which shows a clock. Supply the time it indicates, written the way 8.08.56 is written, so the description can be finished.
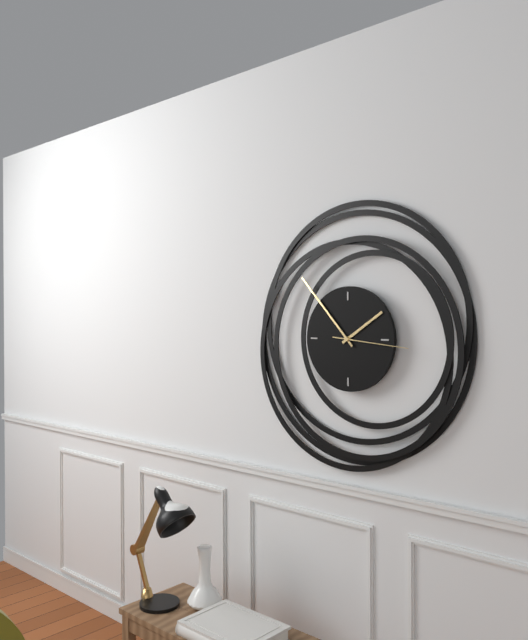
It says 1.53.16
